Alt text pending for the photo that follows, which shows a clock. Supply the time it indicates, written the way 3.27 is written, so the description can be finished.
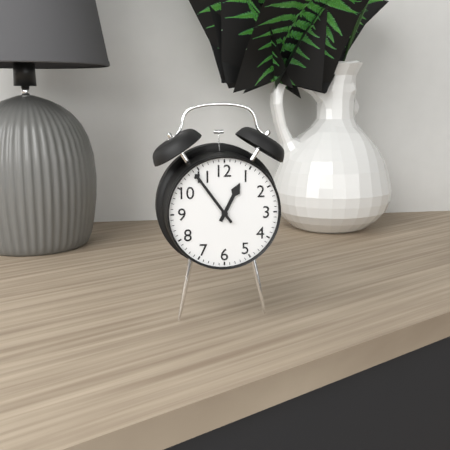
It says 12.54
